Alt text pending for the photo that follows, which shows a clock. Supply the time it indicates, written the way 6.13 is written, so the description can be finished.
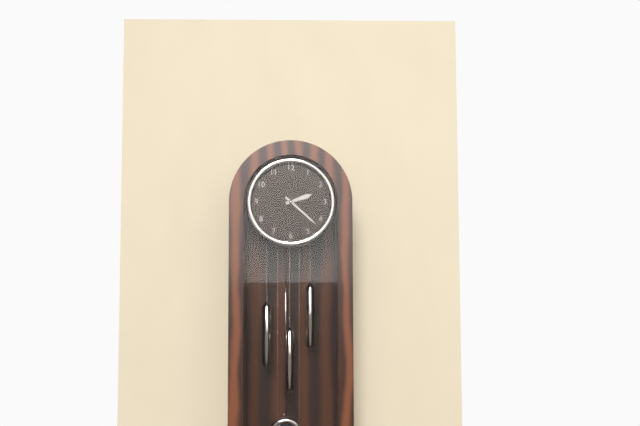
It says 2.22
